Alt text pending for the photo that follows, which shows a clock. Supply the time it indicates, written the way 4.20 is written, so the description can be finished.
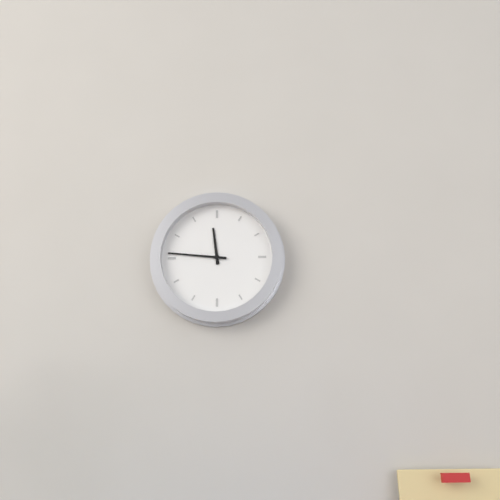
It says 11.46
